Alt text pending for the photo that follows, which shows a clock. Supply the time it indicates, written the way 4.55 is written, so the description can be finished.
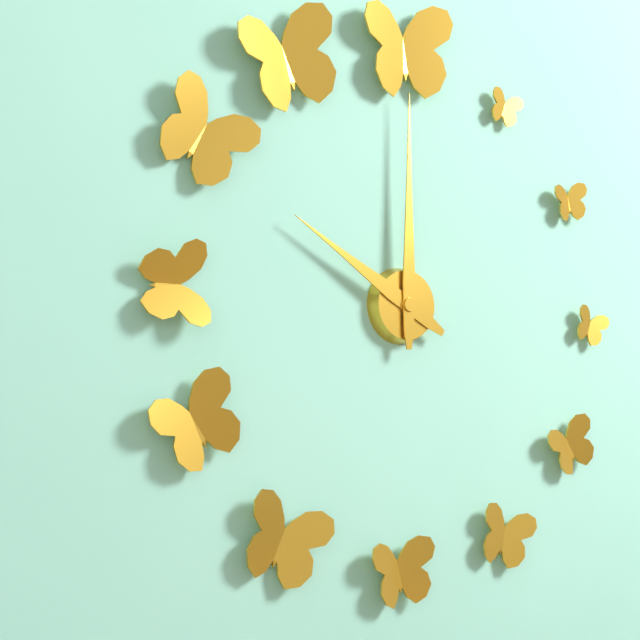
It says 10.00
